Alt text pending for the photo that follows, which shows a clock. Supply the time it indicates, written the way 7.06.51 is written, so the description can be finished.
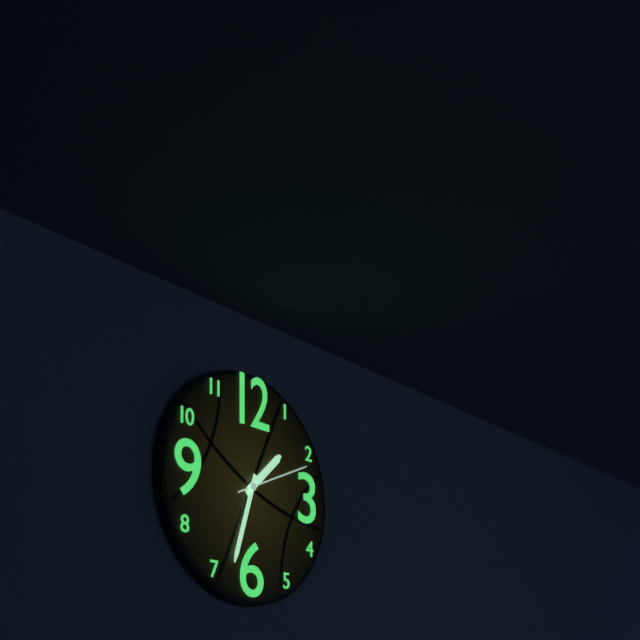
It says 1.33.11
